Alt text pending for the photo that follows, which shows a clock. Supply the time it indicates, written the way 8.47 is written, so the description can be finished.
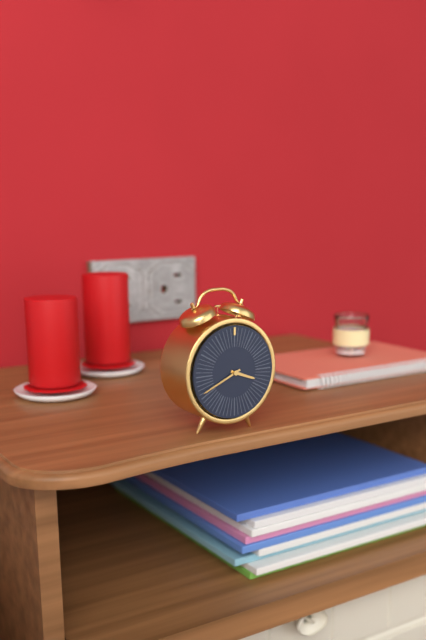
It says 3.41
